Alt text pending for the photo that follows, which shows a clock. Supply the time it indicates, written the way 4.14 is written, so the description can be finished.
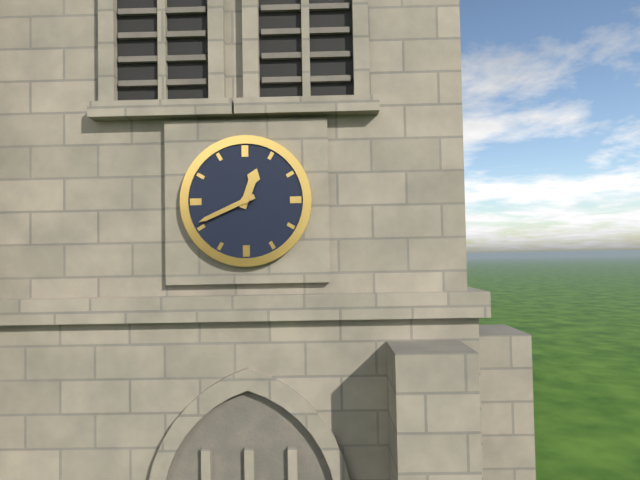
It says 12.41
